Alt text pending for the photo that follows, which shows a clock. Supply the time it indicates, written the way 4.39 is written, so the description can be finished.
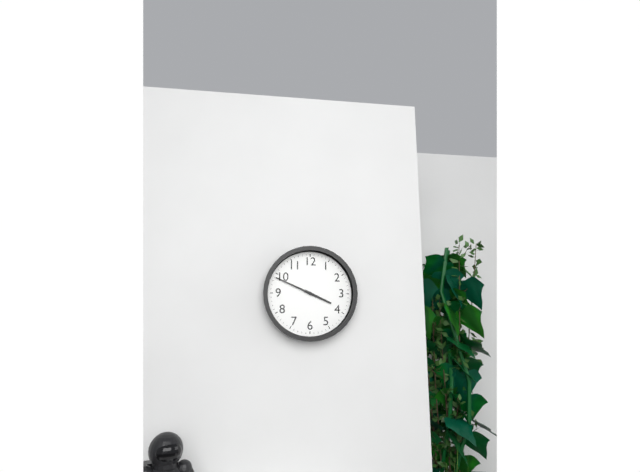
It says 3.49
